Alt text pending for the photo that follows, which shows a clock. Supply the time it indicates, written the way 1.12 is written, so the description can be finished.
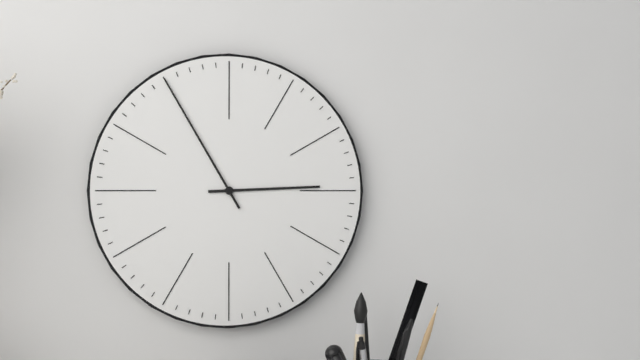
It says 2.55
